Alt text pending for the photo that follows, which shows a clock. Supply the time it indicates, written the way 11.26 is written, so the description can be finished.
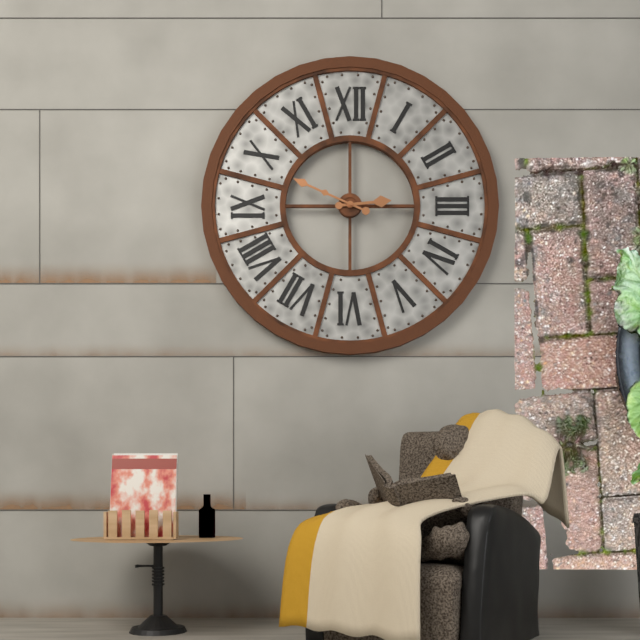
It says 2.49
